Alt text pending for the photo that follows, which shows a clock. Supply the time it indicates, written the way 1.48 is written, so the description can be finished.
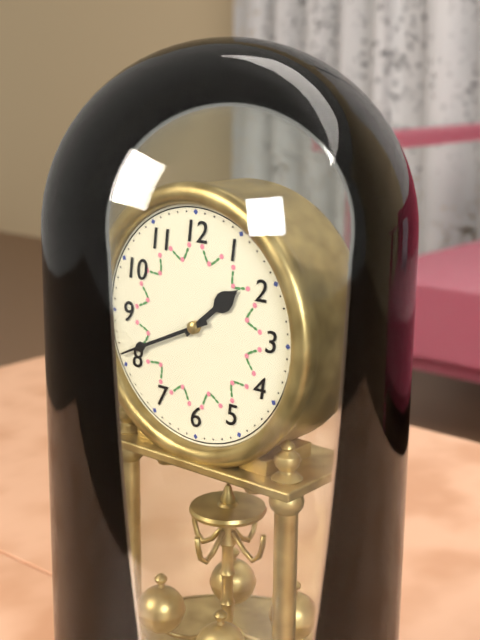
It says 1.41
